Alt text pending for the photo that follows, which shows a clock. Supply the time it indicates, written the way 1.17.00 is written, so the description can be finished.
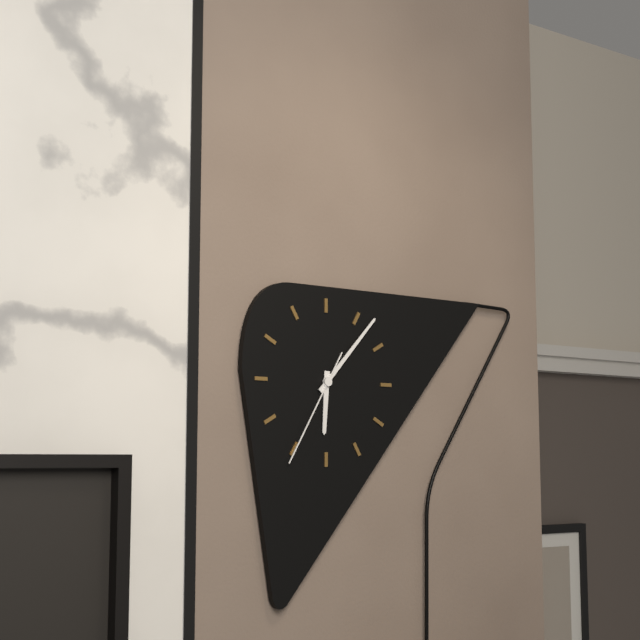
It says 6.07.35
